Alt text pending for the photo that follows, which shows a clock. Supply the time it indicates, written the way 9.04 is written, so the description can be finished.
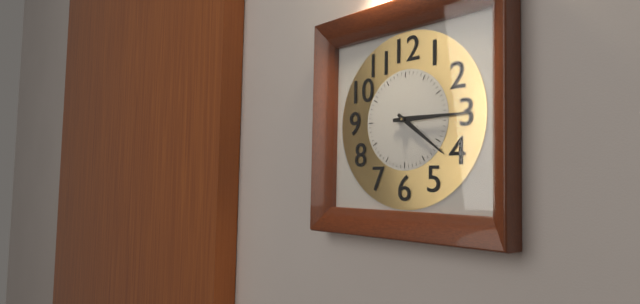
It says 4.15
